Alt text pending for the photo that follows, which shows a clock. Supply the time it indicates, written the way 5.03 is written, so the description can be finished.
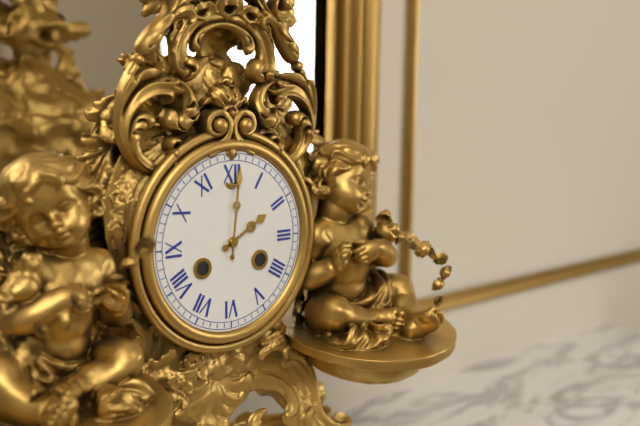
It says 2.01
